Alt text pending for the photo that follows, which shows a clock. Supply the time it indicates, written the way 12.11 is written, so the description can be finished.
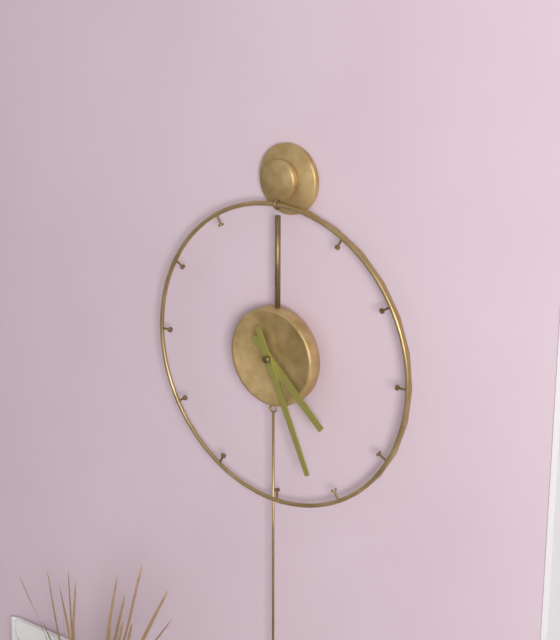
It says 4.26
